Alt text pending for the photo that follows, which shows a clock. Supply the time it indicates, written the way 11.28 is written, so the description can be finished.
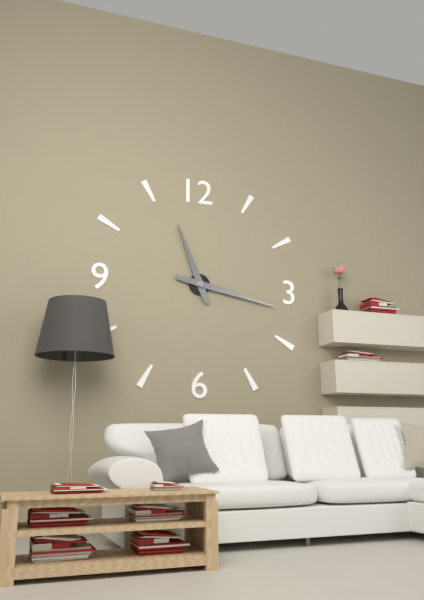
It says 11.17
